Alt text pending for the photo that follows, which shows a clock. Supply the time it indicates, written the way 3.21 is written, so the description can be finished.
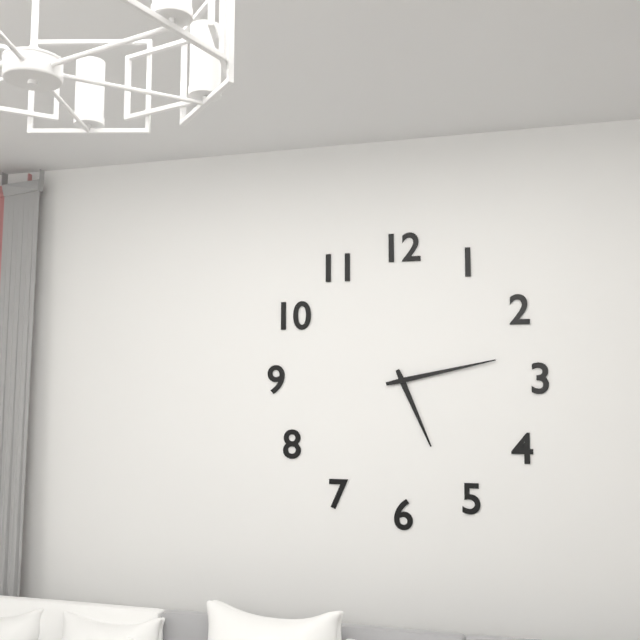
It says 5.13
